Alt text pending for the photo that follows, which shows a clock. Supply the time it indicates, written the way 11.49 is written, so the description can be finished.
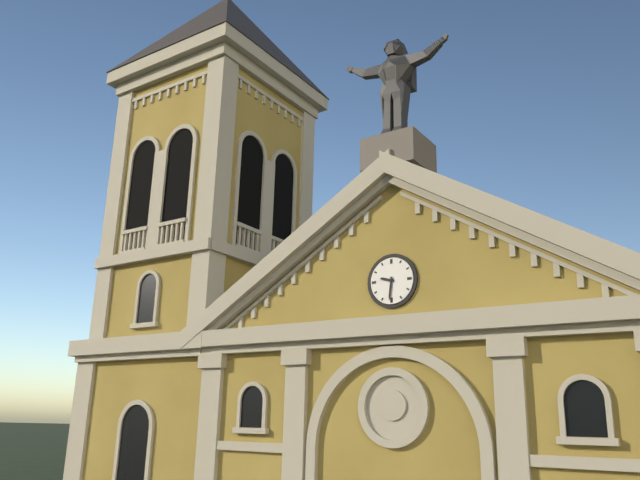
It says 9.31
